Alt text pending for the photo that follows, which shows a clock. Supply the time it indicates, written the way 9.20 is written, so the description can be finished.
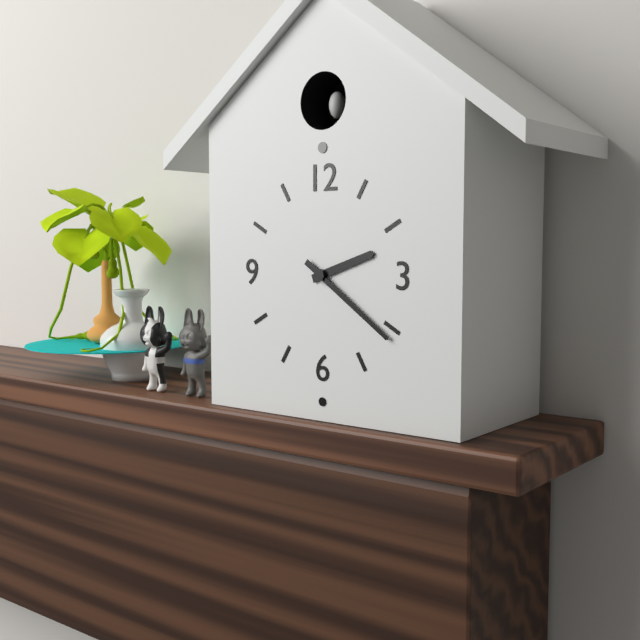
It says 2.21
